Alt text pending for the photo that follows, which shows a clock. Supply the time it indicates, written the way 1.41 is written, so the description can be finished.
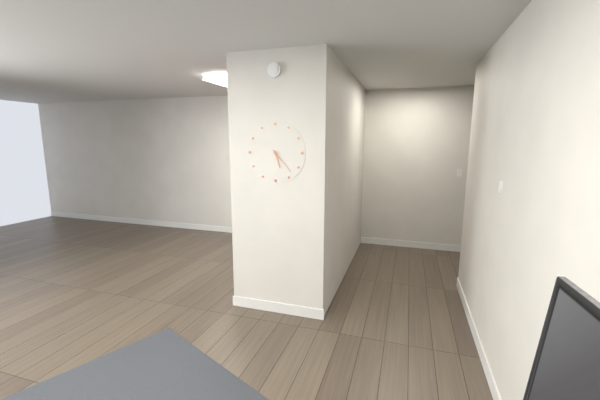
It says 5.23
